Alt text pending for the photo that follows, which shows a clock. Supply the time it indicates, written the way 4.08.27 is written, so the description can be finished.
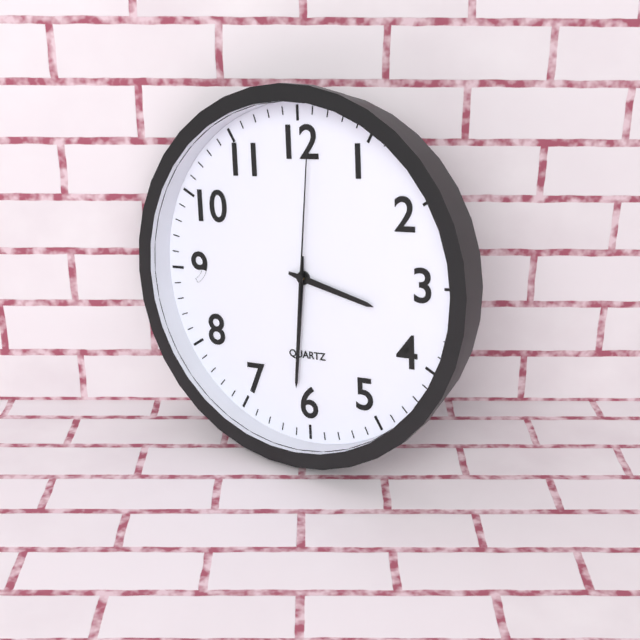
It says 3.31.01
